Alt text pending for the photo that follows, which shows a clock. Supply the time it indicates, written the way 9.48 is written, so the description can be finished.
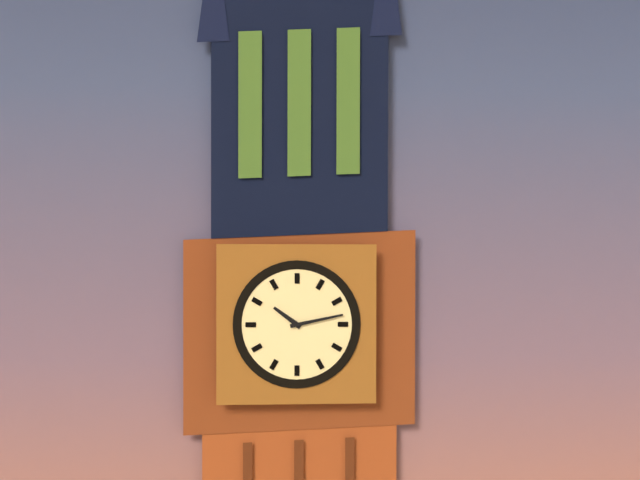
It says 10.13
